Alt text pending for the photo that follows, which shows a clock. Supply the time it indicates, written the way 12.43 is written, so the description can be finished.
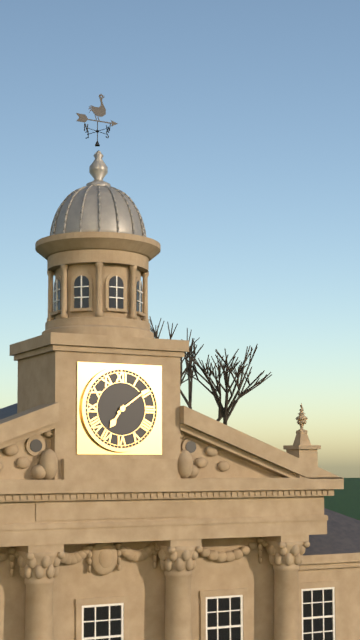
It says 7.09
